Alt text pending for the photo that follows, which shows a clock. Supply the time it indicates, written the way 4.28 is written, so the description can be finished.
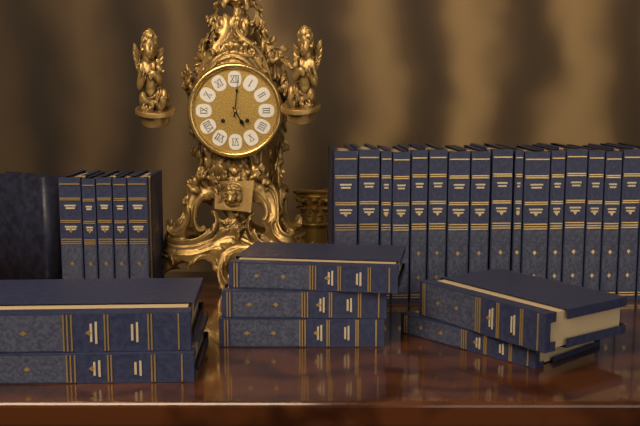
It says 5.01
